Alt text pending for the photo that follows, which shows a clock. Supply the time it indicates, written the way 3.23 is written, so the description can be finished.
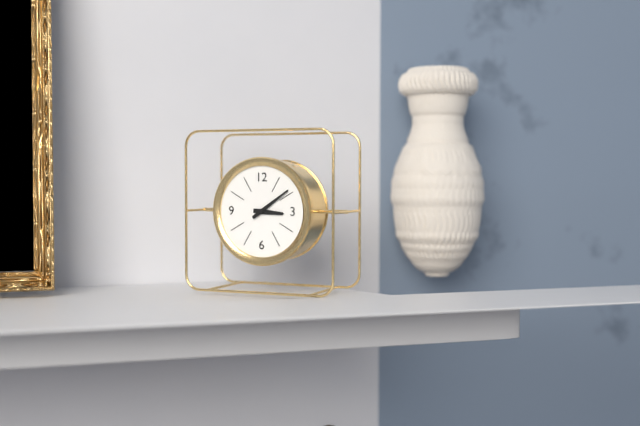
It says 3.09
